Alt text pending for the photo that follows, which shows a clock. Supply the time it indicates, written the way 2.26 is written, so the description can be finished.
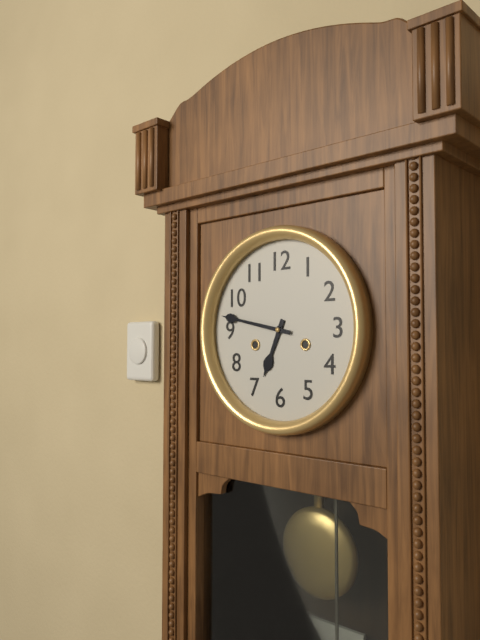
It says 6.47
